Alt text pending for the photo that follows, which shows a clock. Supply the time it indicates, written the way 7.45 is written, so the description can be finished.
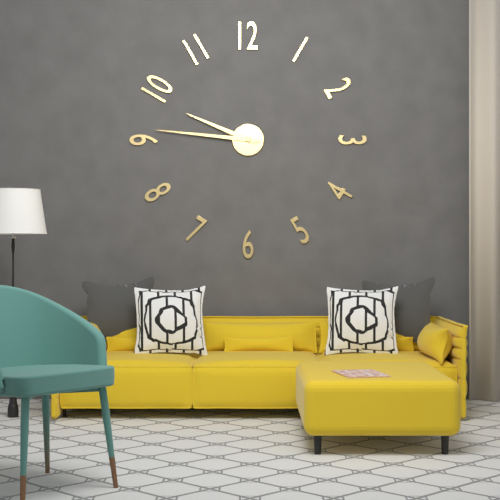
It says 9.46
